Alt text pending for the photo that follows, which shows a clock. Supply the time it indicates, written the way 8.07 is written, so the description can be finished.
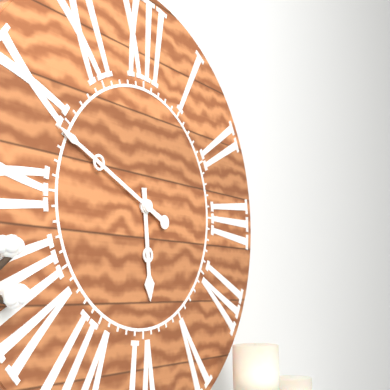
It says 5.49
